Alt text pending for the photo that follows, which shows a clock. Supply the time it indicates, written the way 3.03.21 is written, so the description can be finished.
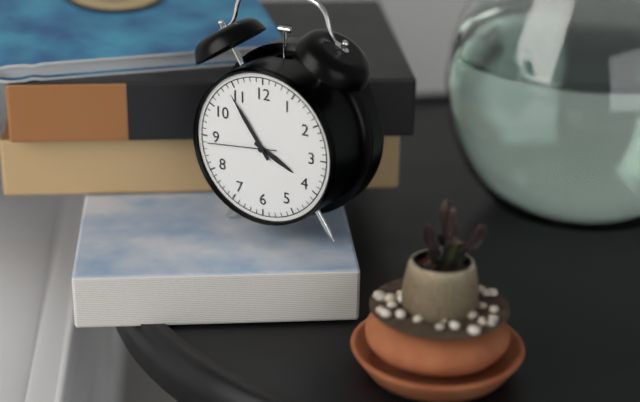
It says 3.54.44
